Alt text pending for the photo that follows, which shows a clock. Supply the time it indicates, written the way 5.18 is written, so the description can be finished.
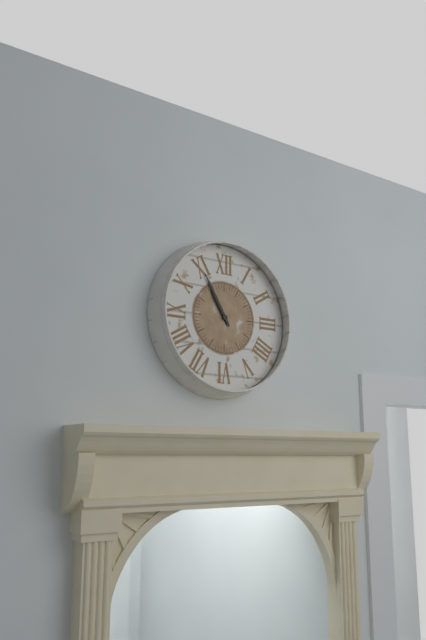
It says 10.55
